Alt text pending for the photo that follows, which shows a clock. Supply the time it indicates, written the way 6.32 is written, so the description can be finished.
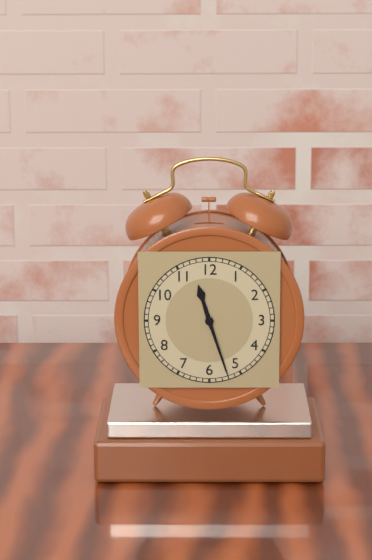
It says 11.27
